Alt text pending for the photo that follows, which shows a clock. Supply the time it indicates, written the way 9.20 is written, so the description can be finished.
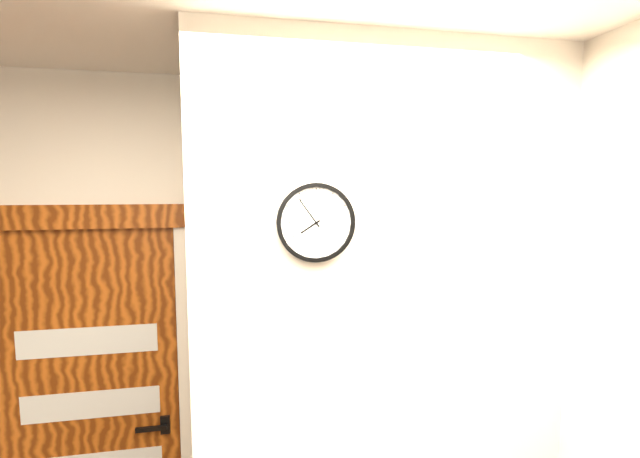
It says 7.54
